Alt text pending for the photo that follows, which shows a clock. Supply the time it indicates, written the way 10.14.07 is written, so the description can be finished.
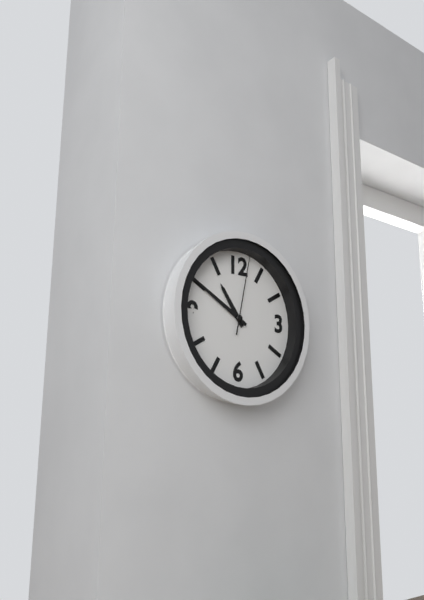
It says 10.50.02
